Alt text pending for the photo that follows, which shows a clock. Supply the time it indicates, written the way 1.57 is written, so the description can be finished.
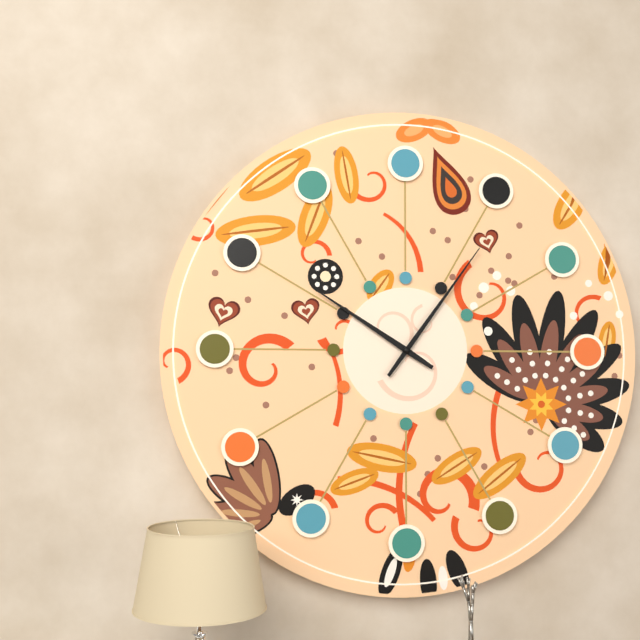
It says 10.06
